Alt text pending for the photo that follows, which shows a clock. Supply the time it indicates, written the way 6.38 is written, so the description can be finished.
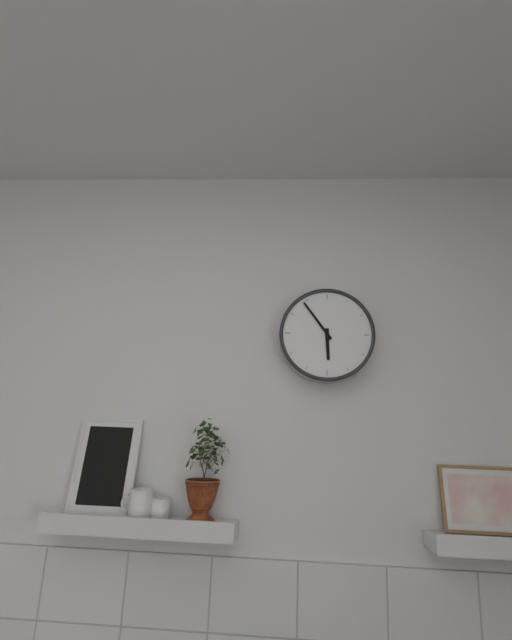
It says 5.54
